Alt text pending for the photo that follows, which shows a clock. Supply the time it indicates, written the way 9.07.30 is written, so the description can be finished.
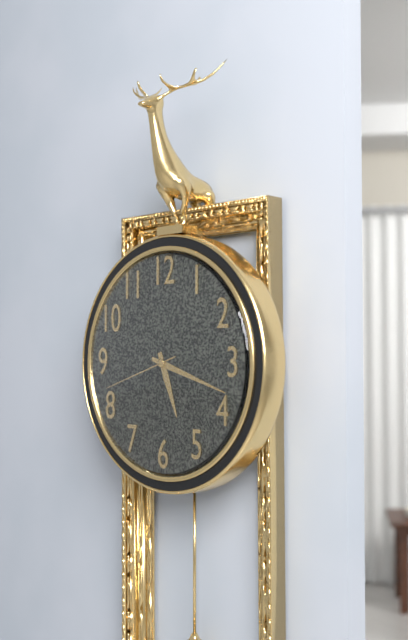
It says 5.18.42
